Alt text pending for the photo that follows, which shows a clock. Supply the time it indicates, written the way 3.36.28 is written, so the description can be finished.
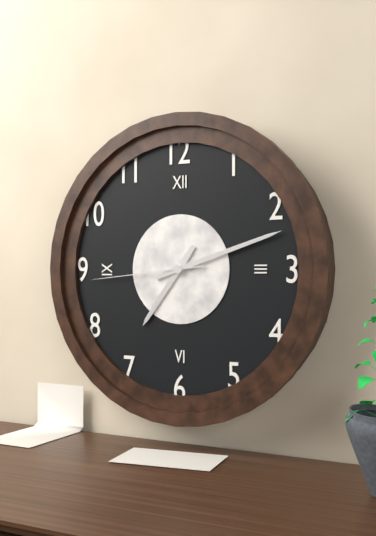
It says 7.12.44
